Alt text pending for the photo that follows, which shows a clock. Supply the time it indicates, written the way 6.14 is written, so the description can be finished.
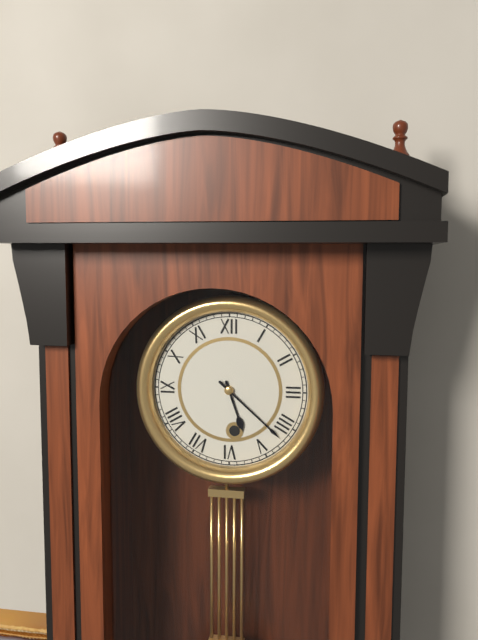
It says 5.22
